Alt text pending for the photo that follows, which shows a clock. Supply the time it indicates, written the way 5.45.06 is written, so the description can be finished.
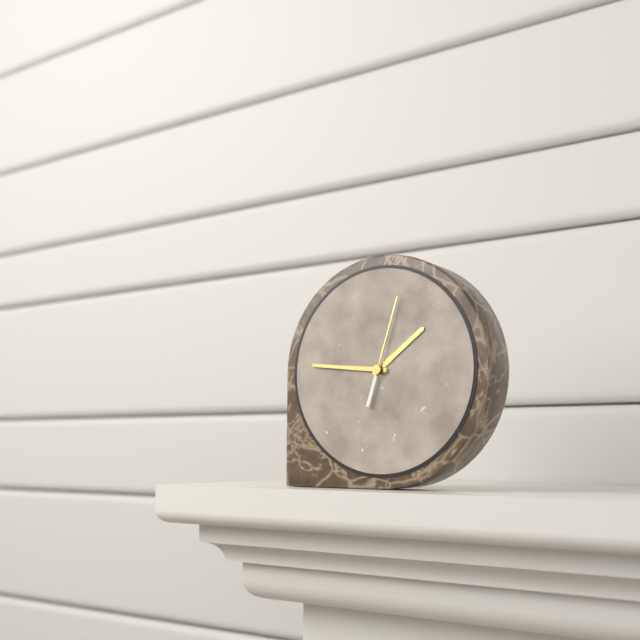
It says 1.46.03
